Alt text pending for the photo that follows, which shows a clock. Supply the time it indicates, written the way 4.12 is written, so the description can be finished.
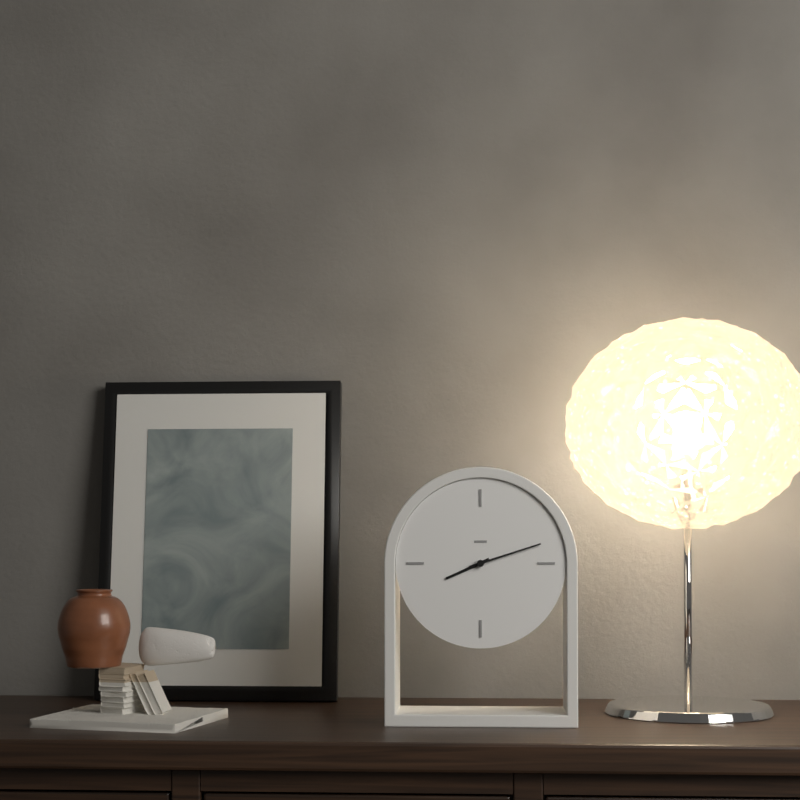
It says 8.12
